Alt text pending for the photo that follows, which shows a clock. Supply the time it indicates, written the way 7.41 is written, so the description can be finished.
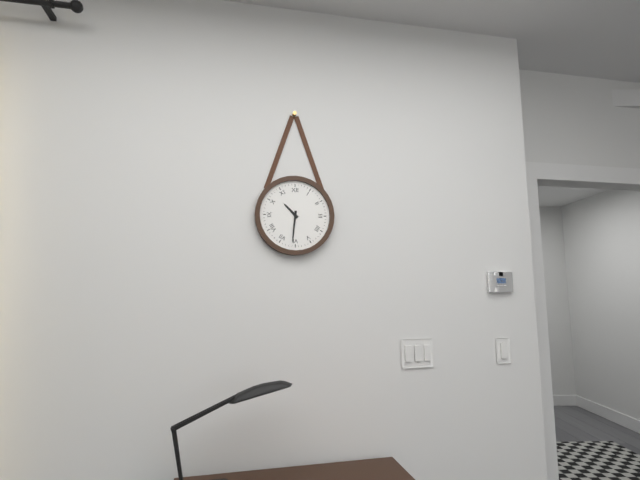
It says 10.31
